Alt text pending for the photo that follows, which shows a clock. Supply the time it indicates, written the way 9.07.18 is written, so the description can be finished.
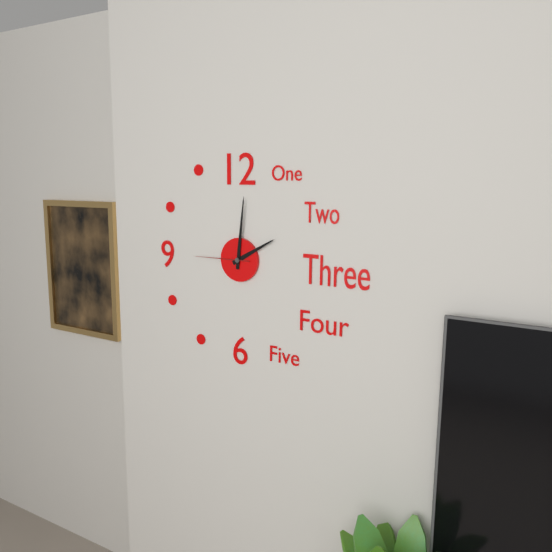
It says 2.01.45
